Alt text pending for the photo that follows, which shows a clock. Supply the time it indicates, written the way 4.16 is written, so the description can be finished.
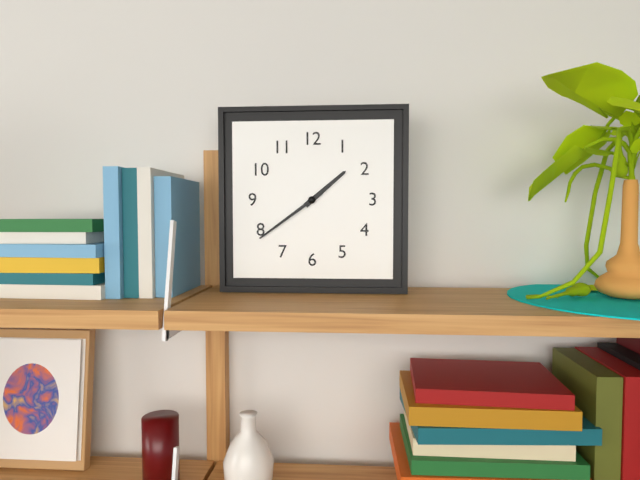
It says 1.39
